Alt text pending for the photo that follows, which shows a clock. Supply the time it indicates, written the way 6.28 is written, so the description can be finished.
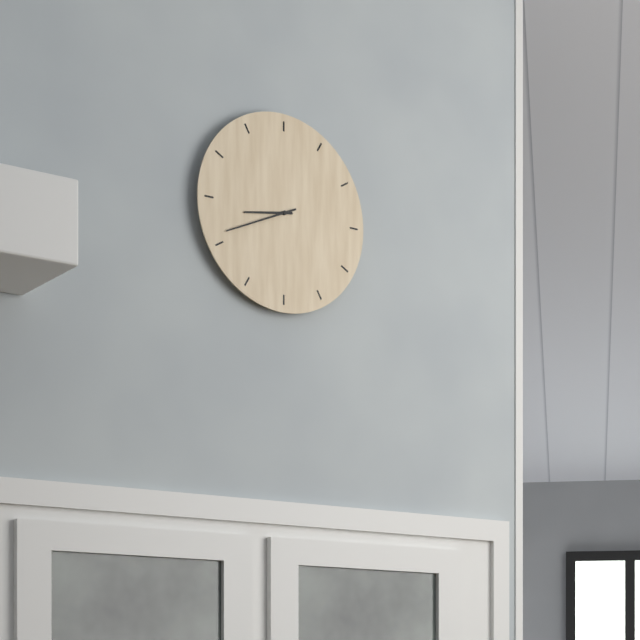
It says 8.41
